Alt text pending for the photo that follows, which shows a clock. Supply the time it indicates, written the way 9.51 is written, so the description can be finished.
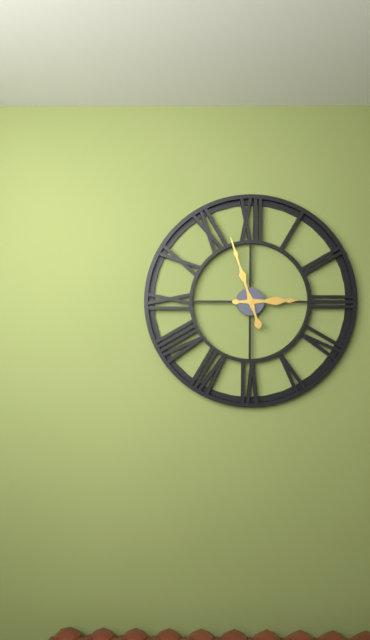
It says 2.57
